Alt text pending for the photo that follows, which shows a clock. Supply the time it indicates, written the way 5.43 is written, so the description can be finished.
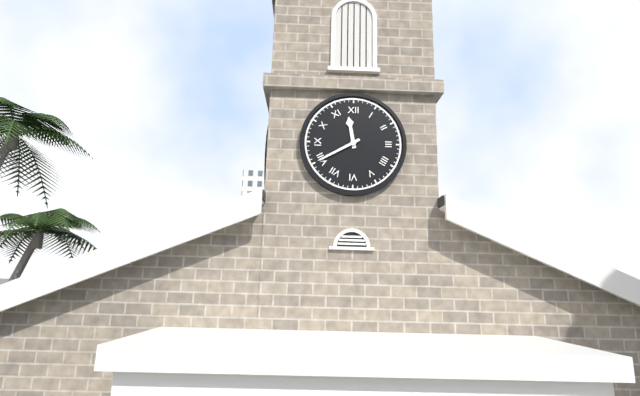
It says 11.40
